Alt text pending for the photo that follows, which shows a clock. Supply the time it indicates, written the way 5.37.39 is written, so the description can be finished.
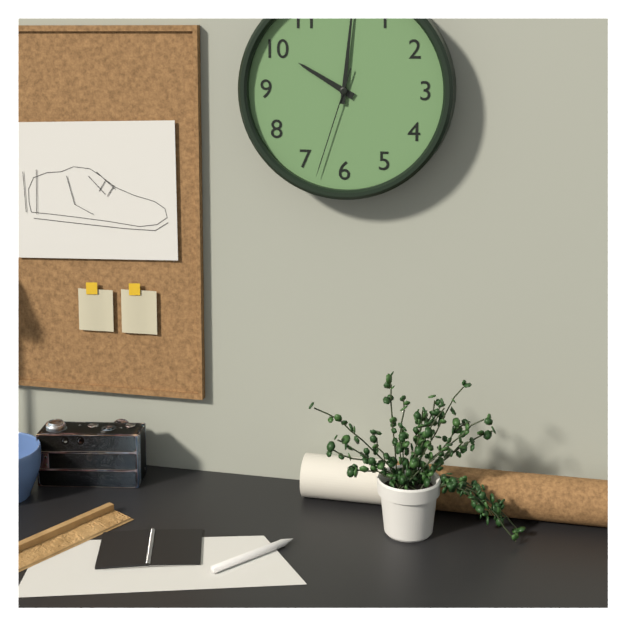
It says 10.01.33
